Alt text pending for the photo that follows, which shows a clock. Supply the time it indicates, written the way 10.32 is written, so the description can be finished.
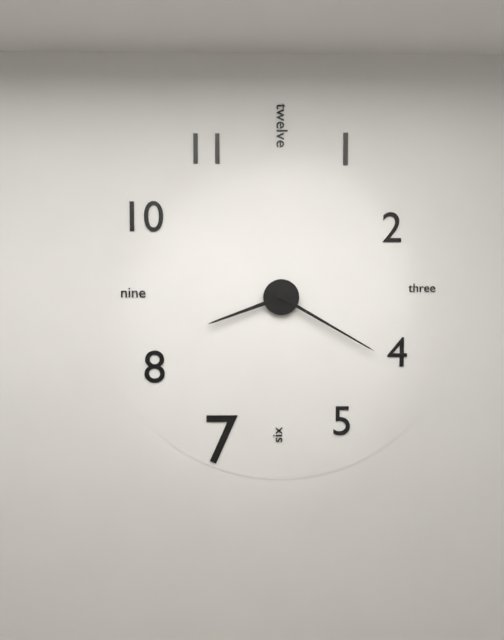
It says 8.20
